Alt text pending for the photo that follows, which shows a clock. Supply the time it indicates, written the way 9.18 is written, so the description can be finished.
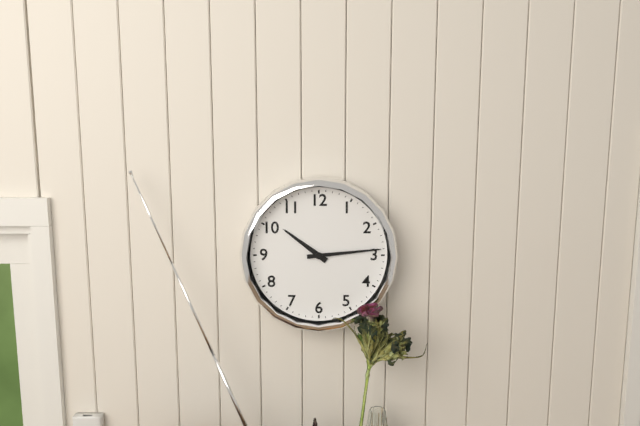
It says 10.14
